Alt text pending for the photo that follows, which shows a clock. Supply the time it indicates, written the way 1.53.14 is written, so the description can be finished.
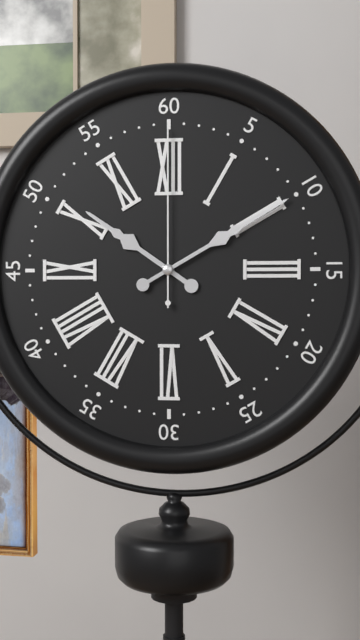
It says 10.10.00
